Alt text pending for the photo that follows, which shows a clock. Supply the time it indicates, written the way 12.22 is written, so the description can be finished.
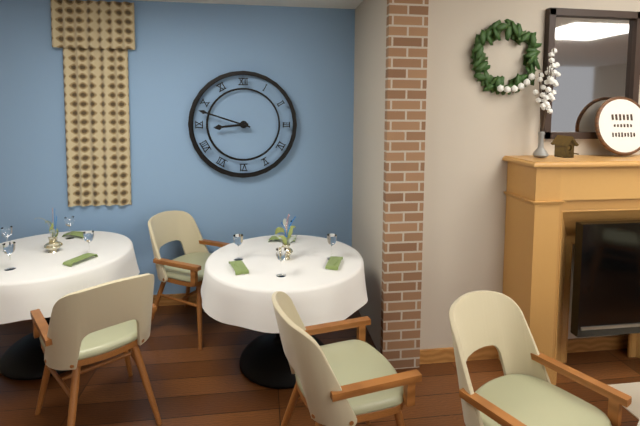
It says 8.48
